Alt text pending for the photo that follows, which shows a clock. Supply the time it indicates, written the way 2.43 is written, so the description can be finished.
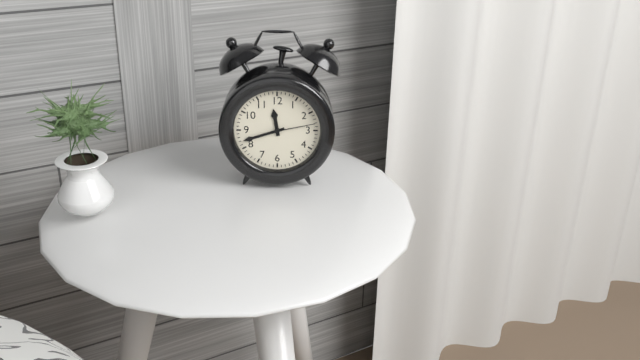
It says 11.42
